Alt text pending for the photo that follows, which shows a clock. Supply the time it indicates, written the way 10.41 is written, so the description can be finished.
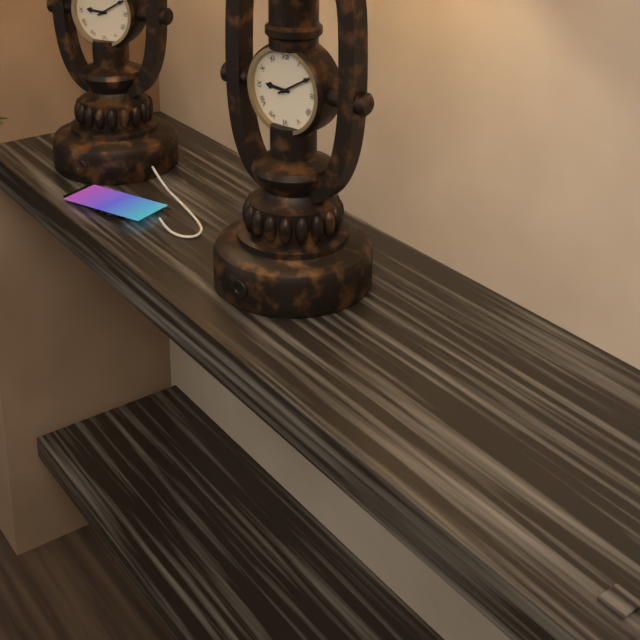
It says 9.10
